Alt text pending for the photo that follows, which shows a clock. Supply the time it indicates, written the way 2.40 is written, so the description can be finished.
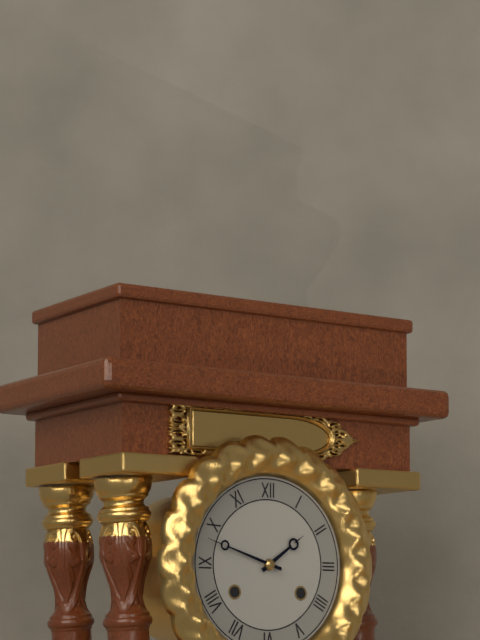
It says 1.48
